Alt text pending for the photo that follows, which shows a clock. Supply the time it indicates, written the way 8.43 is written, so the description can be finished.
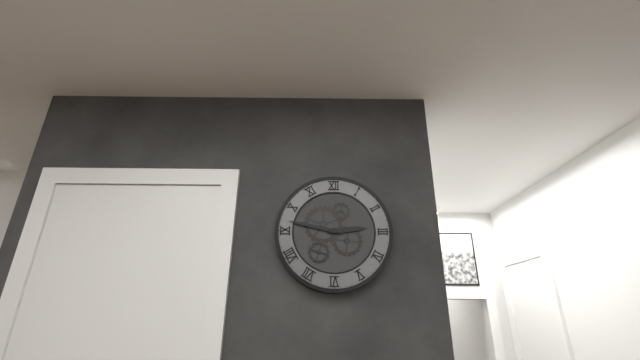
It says 2.47
